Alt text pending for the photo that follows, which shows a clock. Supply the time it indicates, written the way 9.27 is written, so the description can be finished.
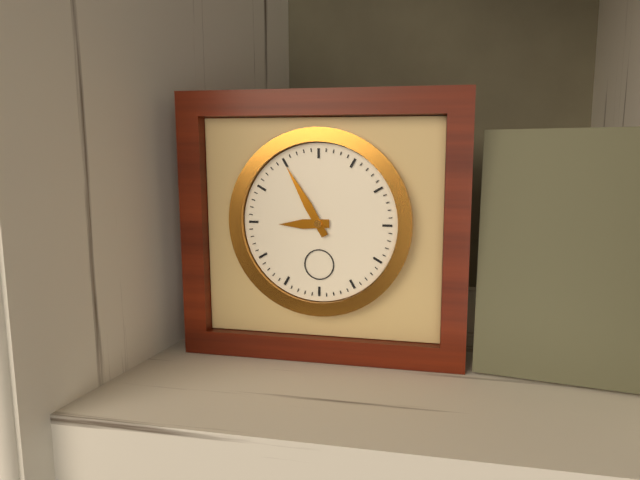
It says 8.55
